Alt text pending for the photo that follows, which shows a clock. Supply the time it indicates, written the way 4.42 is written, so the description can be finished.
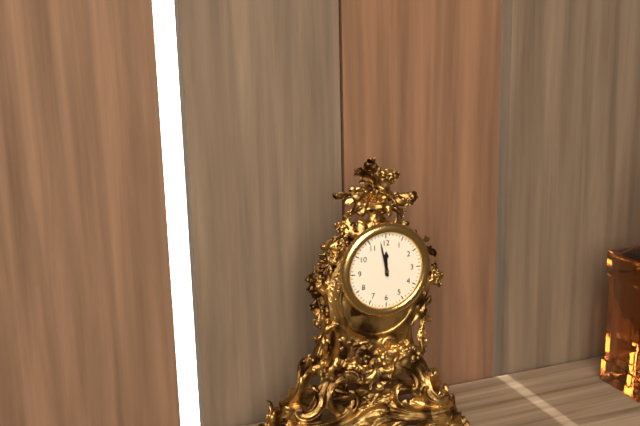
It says 11.58
